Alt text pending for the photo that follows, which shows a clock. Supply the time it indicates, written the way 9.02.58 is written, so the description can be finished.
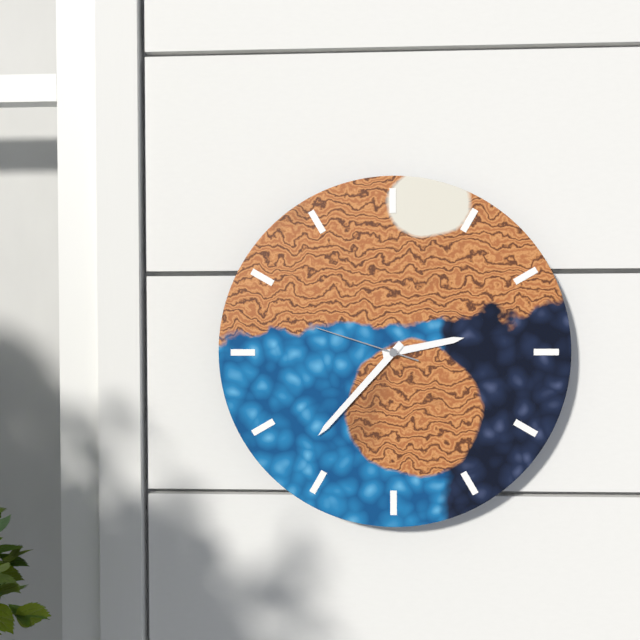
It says 2.37.48
